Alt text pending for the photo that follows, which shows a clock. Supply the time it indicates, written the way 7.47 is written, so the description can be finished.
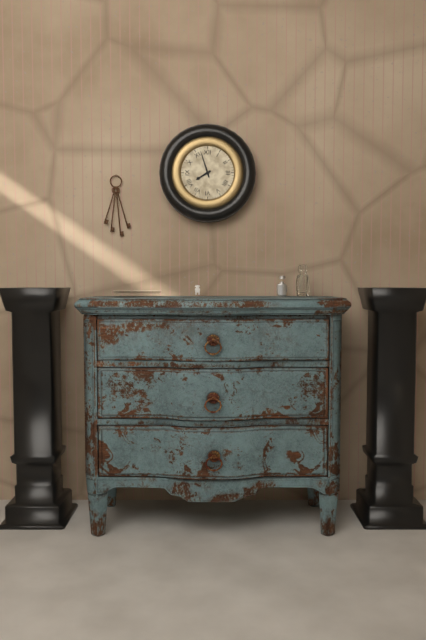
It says 7.57
